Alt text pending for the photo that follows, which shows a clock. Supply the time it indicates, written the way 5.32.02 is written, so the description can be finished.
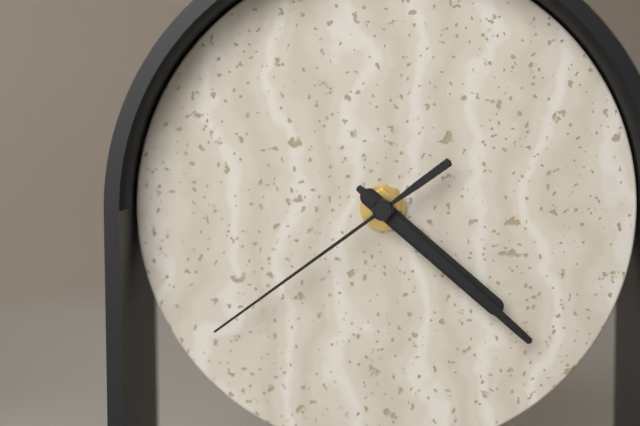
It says 4.22.39
